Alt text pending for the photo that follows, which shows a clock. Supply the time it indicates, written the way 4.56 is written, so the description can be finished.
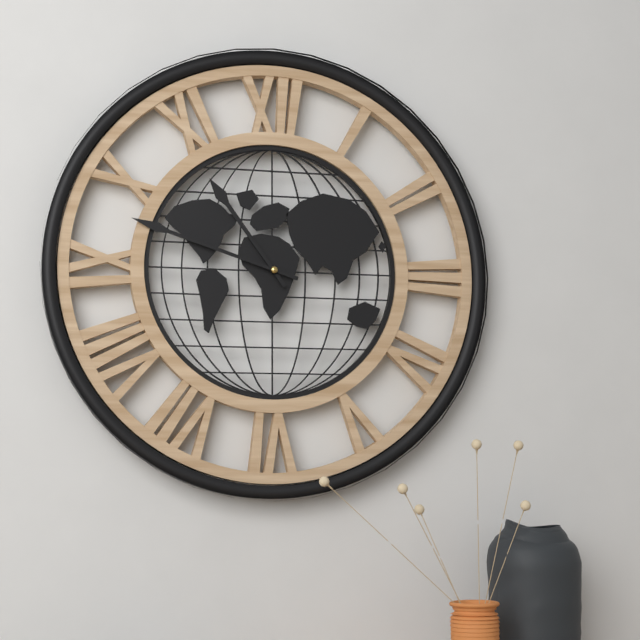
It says 10.48
